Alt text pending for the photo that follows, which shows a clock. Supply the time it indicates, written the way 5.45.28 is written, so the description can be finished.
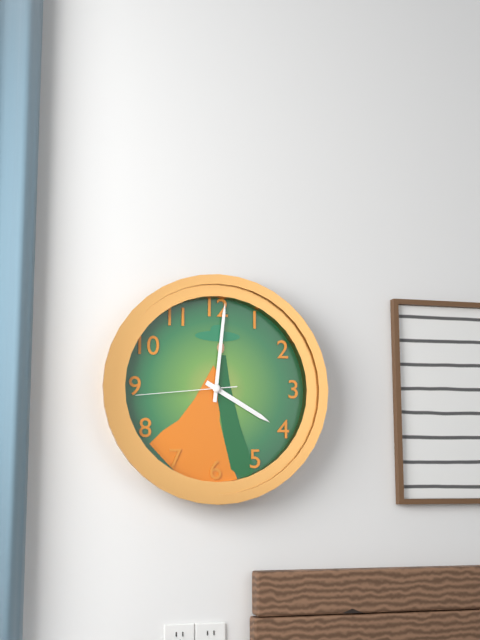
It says 4.01.44
